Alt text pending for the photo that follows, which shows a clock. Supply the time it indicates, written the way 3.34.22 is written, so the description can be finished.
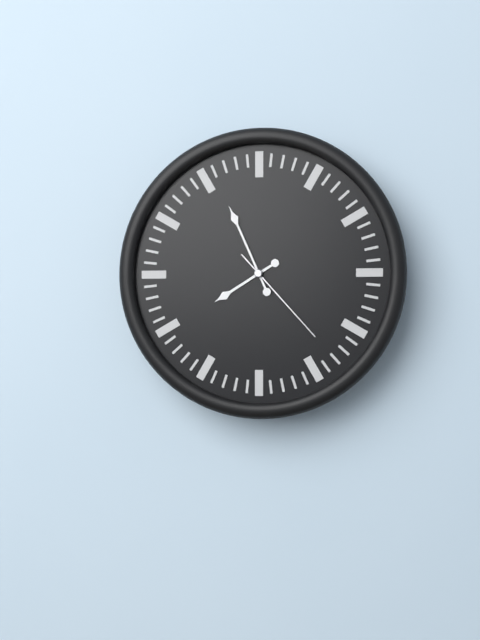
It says 7.56.23
